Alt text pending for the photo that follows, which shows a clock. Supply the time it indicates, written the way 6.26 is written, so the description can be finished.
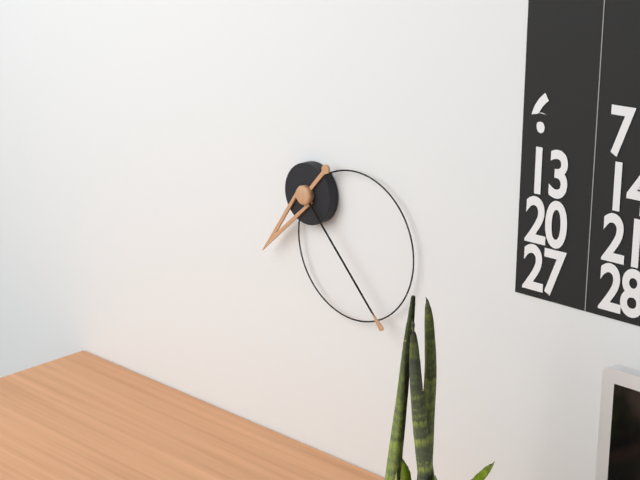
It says 7.23
